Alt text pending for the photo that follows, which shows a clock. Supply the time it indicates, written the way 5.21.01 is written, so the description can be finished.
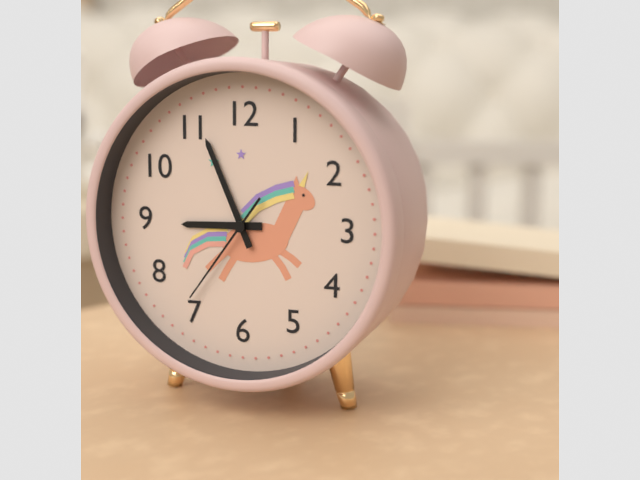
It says 8.56.36
